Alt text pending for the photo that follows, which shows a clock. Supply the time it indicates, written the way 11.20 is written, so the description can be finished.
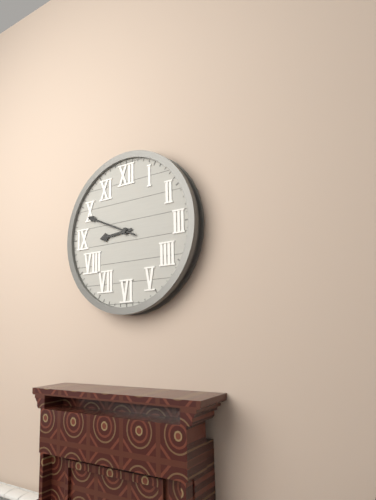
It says 8.49
